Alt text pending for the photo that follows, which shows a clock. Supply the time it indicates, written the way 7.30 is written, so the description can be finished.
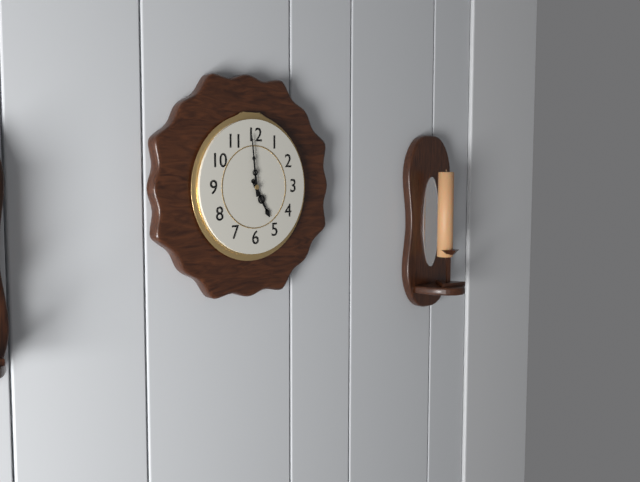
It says 4.59
